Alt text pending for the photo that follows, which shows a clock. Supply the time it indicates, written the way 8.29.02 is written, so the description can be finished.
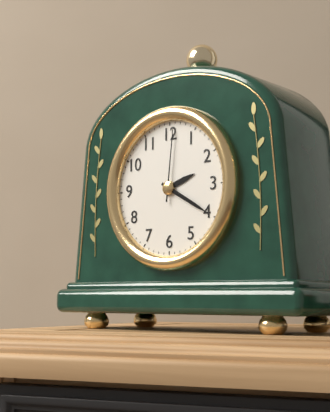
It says 2.20.01
